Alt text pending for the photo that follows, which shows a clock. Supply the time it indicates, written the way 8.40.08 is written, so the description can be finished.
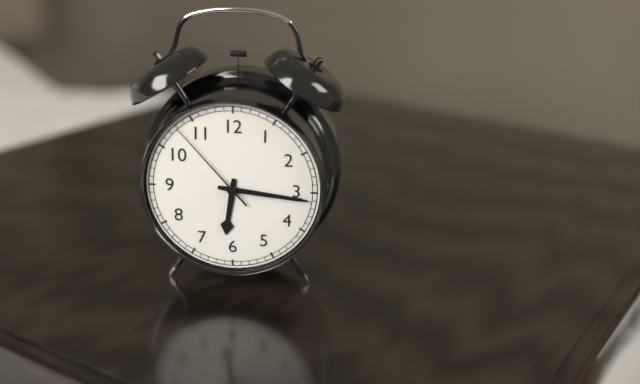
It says 6.16.53
